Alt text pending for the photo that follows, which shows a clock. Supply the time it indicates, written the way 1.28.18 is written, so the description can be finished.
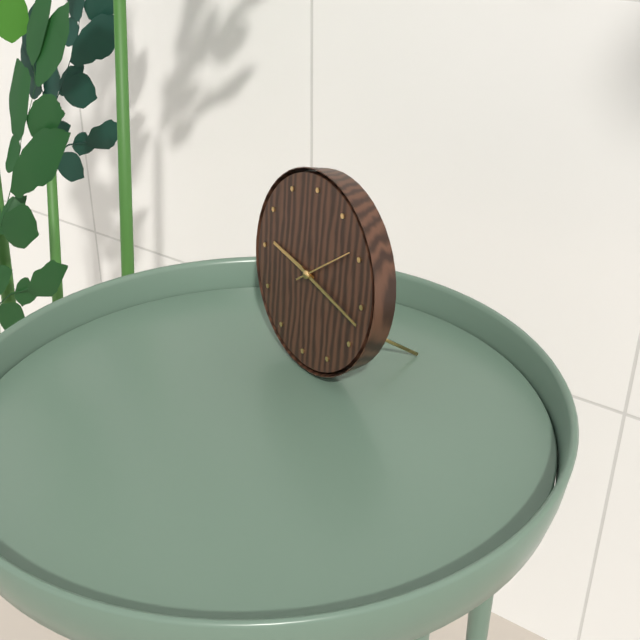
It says 9.17.09
